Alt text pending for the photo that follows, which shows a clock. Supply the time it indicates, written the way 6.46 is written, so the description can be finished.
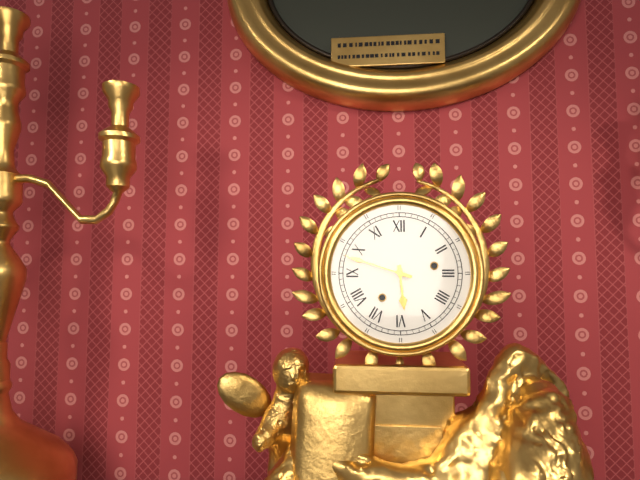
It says 5.48
